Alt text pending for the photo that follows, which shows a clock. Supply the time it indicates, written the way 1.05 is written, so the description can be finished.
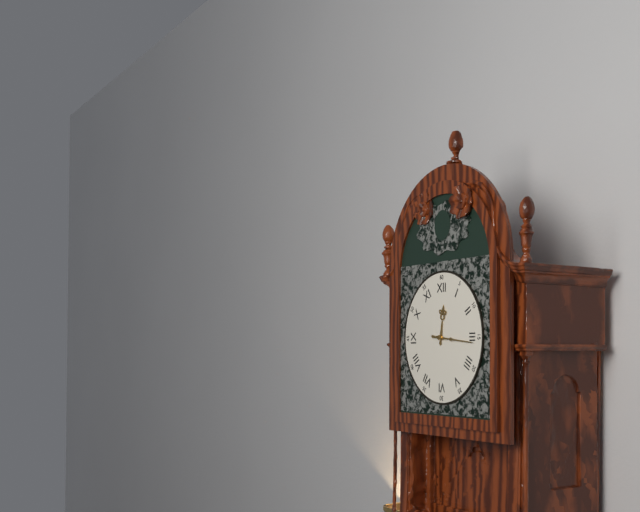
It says 12.16
